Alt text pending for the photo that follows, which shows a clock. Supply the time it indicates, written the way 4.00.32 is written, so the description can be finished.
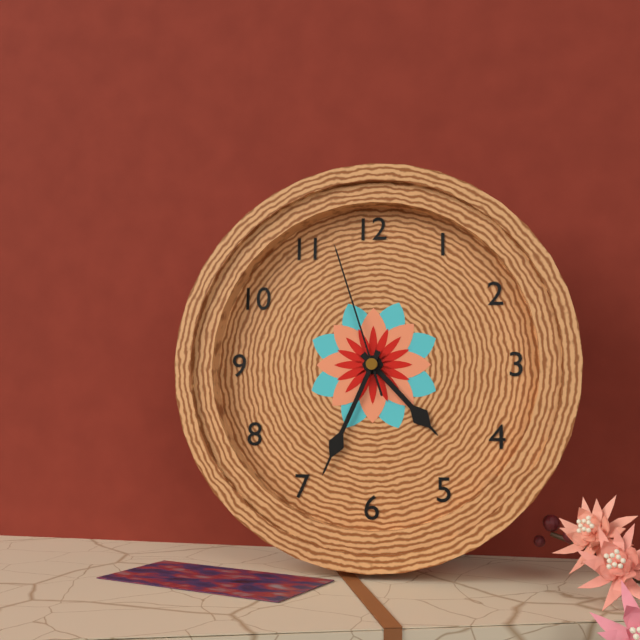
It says 4.34.57
